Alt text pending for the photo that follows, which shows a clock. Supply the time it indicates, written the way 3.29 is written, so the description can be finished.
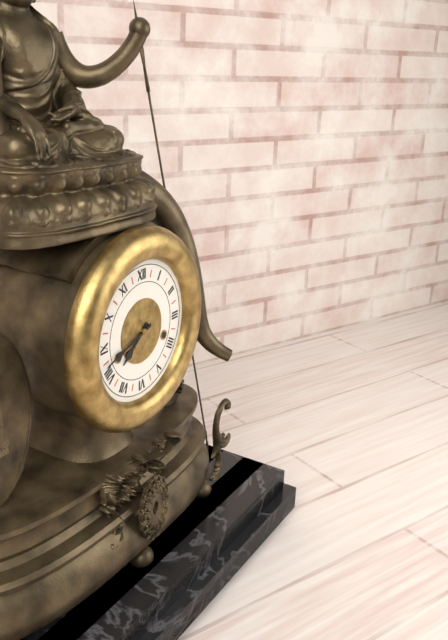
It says 7.42
